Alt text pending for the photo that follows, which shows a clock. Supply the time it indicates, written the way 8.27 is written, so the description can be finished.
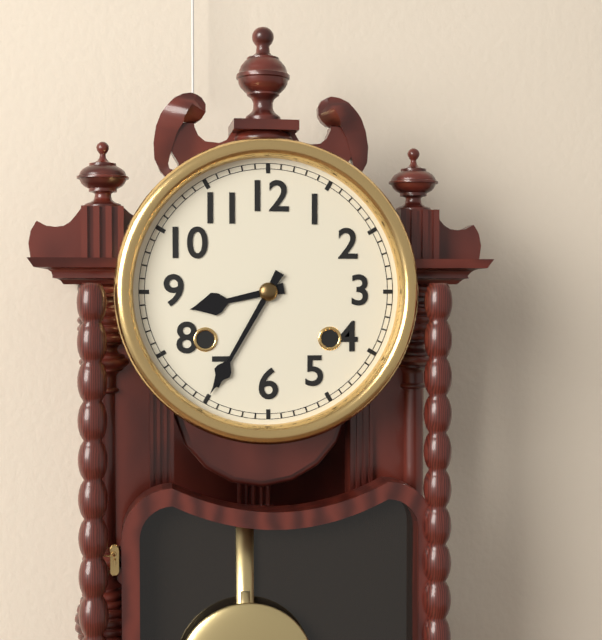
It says 8.35
